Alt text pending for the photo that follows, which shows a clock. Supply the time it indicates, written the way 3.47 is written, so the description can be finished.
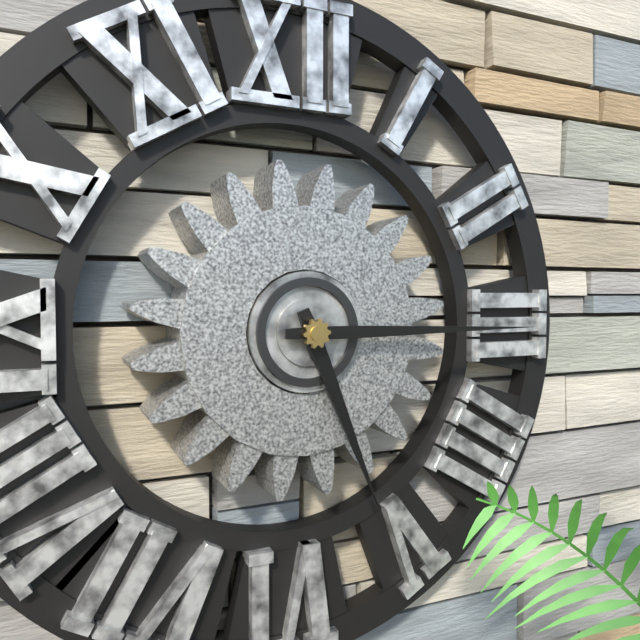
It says 5.15
